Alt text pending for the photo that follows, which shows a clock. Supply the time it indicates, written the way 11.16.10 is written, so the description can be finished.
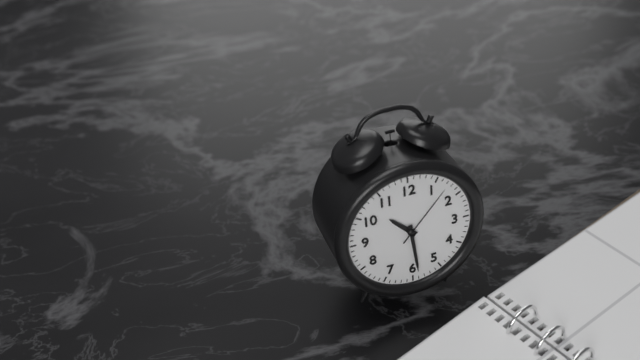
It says 10.29.07
